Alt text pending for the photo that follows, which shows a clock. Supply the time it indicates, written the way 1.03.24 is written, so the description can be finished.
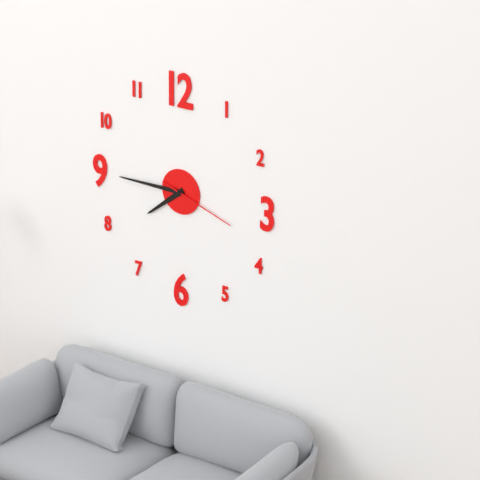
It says 7.45.18
